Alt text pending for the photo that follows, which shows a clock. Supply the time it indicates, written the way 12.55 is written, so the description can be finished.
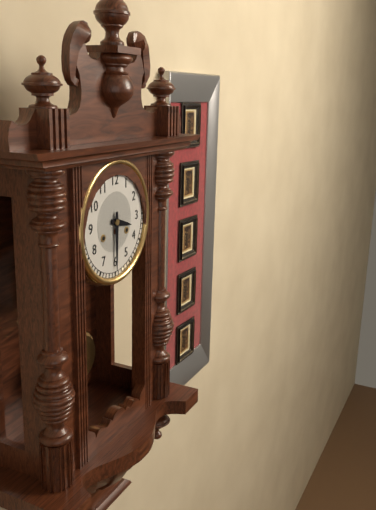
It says 3.30
